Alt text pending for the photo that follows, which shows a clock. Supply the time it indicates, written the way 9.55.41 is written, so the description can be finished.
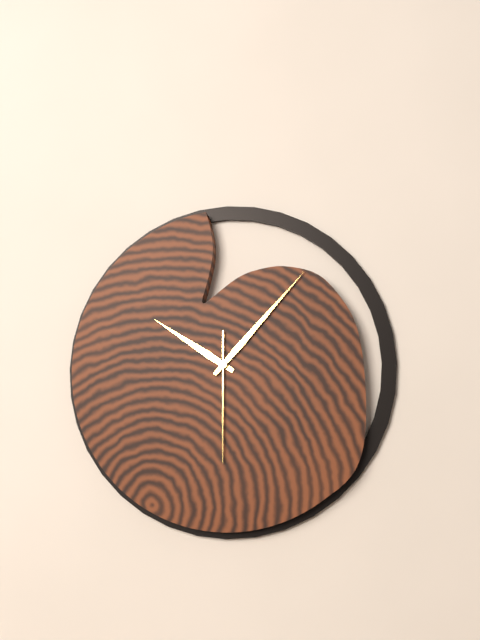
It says 10.07.30
